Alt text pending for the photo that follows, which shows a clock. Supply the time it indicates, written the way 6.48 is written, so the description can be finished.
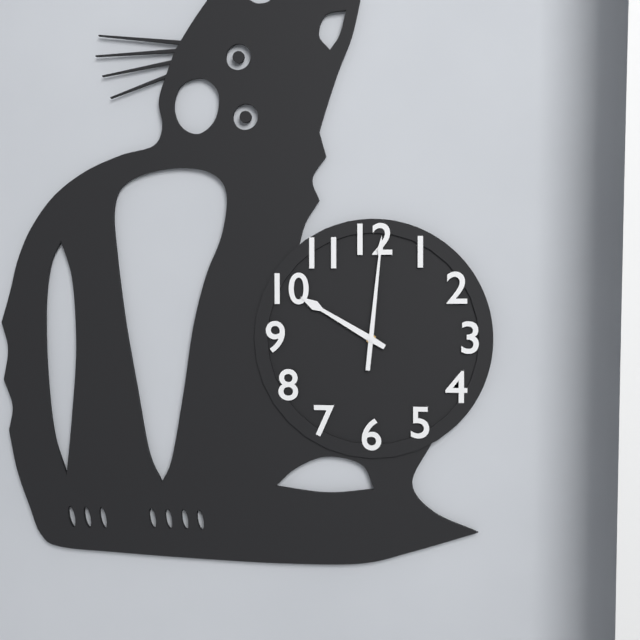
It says 10.01
